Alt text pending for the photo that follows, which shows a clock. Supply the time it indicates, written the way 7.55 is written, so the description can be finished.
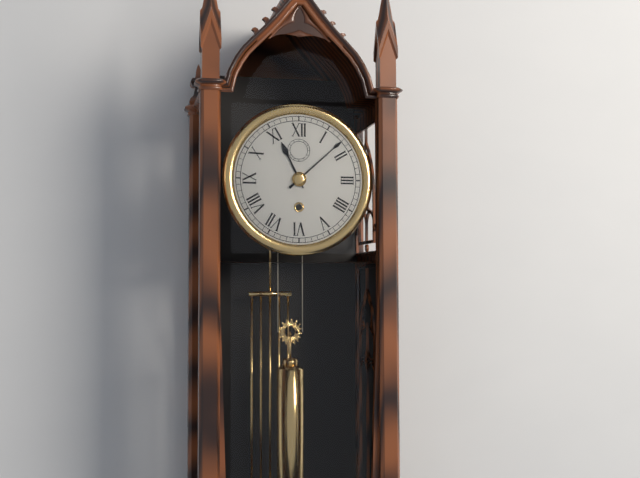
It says 11.08
